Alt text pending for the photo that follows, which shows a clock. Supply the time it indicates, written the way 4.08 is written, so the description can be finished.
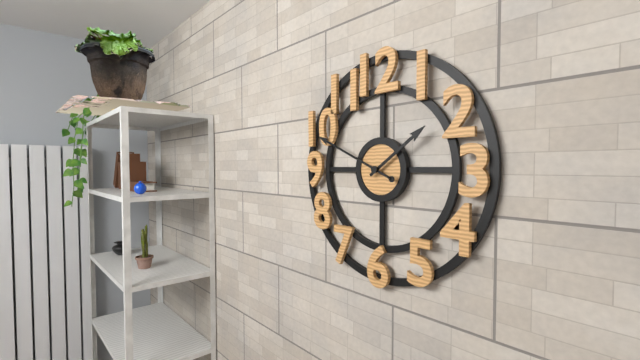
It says 1.49
